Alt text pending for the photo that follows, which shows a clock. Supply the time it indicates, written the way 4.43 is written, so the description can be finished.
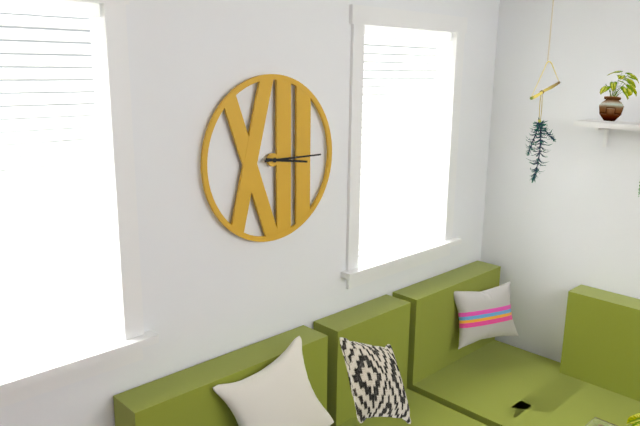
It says 3.15
